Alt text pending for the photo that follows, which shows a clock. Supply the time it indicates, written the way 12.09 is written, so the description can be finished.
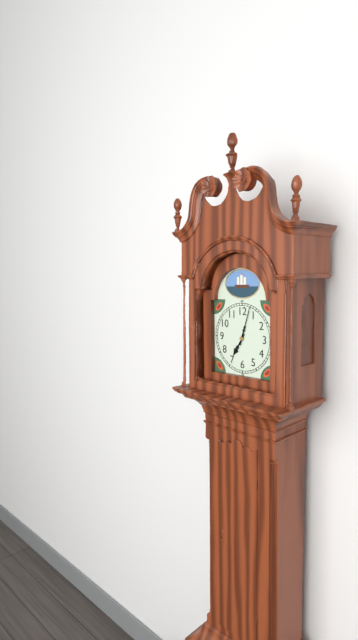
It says 7.03
